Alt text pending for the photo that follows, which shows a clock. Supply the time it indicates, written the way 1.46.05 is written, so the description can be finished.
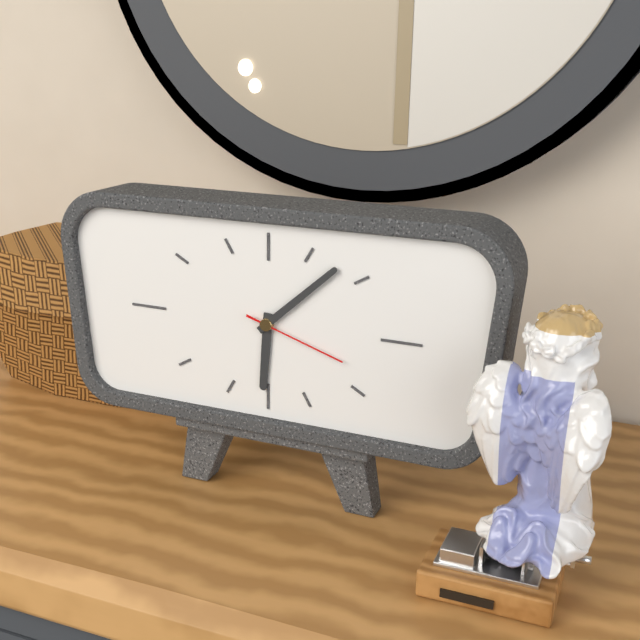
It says 6.08.18
